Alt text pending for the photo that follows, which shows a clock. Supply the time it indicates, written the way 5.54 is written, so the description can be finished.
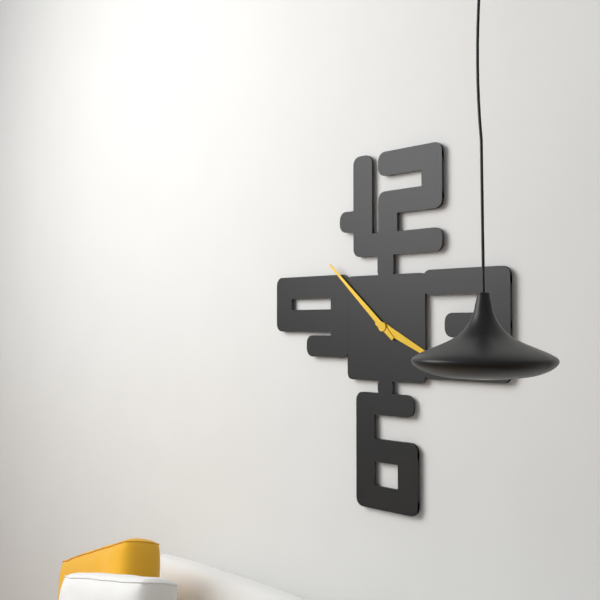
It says 3.52
